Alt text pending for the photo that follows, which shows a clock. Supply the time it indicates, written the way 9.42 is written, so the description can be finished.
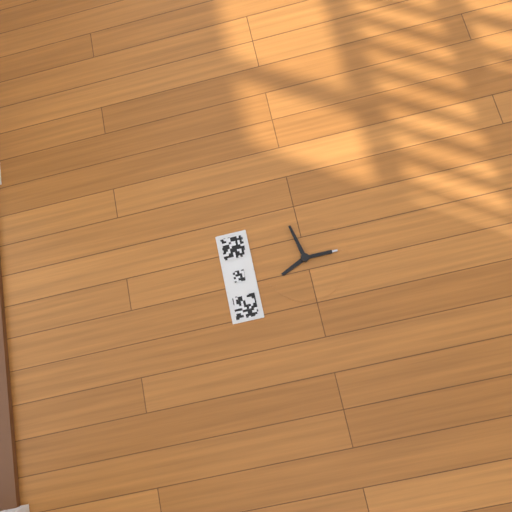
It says 11.13
